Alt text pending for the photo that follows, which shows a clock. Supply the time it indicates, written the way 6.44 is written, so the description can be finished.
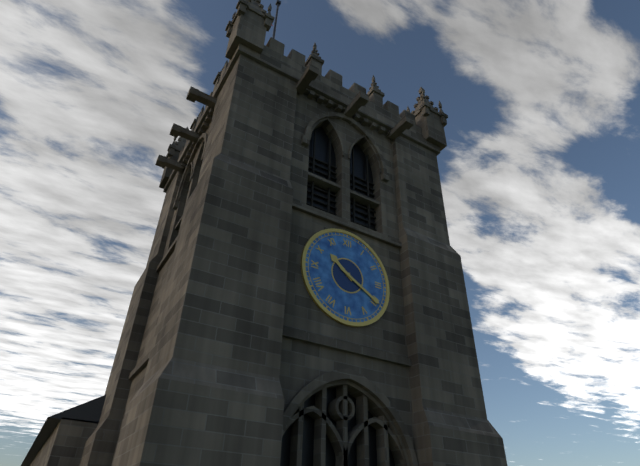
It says 10.20
